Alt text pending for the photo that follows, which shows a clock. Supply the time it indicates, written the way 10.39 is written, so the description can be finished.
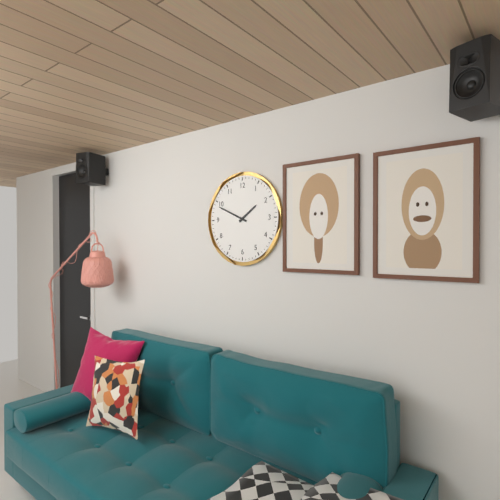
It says 1.49
